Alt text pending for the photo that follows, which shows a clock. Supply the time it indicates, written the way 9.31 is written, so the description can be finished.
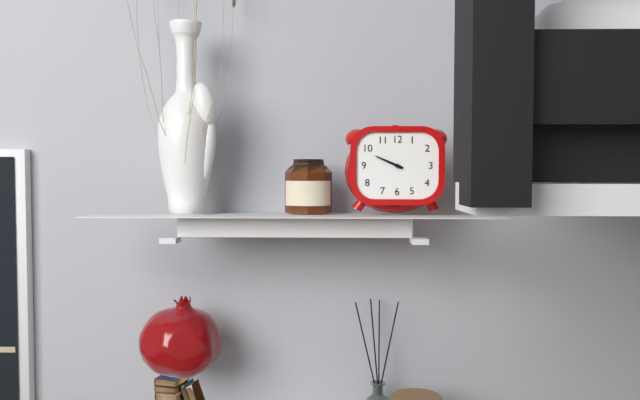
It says 9.49
